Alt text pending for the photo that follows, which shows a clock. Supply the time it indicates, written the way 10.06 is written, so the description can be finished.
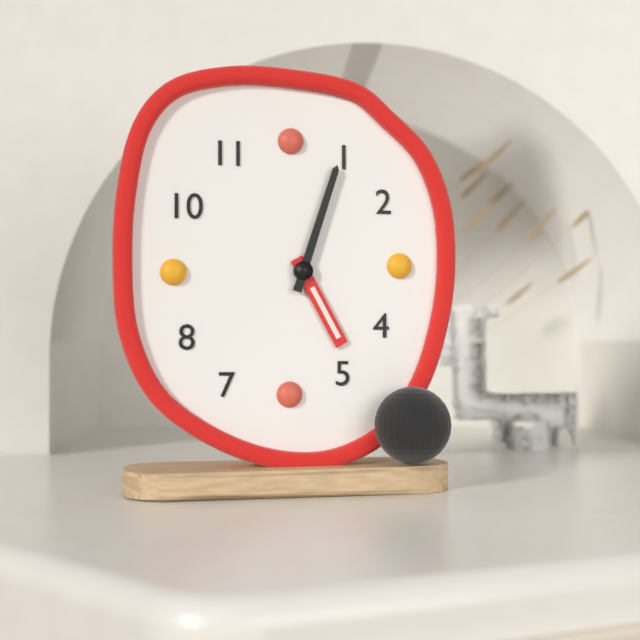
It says 5.03
